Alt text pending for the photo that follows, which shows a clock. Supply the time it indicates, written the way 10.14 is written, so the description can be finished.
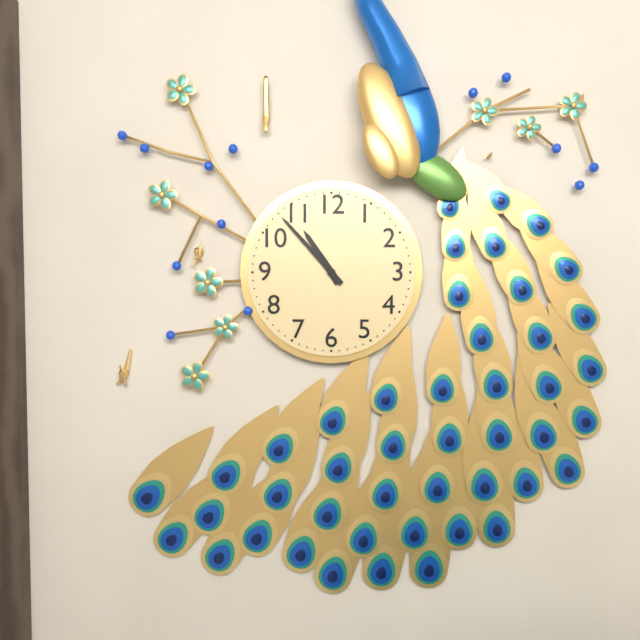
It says 10.53
